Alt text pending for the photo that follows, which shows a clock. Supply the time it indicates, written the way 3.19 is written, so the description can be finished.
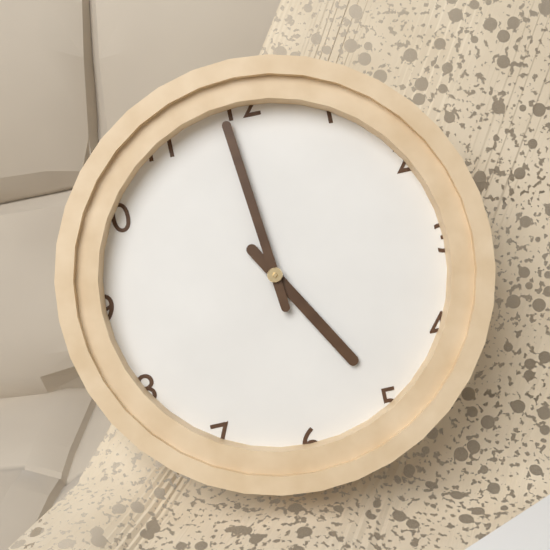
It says 4.59
